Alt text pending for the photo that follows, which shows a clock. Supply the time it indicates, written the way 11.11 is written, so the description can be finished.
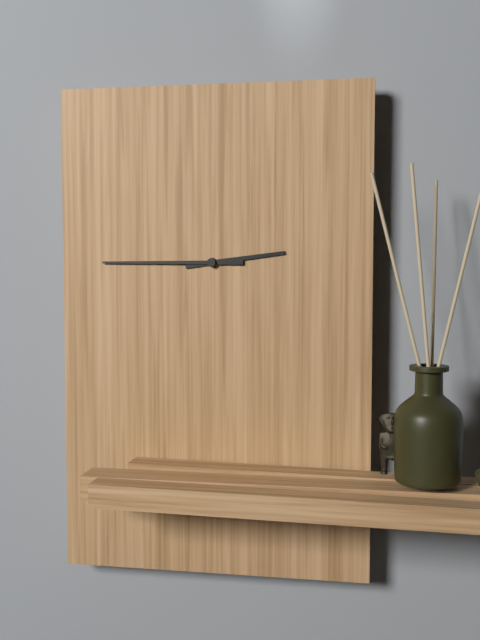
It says 2.45
